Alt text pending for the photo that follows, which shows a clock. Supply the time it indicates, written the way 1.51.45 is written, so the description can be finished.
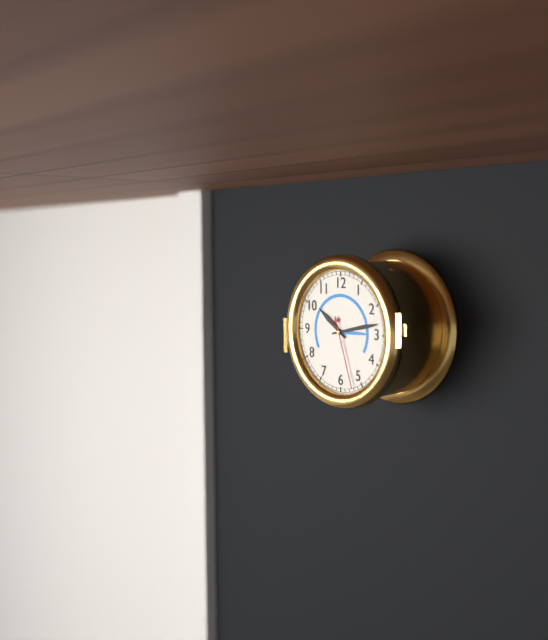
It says 10.13.27
